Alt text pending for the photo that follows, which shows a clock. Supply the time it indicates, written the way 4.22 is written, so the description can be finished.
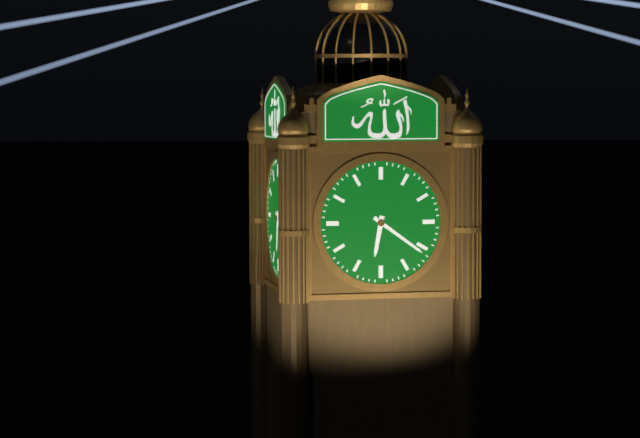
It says 6.21
